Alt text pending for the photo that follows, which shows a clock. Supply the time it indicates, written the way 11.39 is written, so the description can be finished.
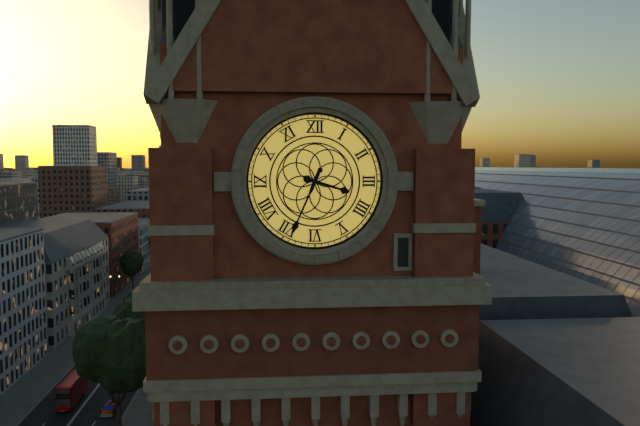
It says 3.34
